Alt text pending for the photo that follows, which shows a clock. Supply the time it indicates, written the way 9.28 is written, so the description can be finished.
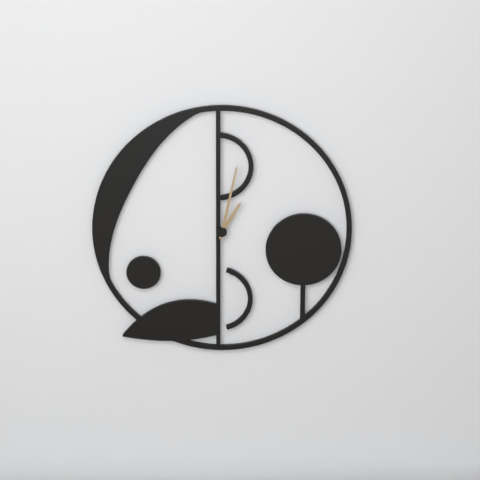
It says 1.02
